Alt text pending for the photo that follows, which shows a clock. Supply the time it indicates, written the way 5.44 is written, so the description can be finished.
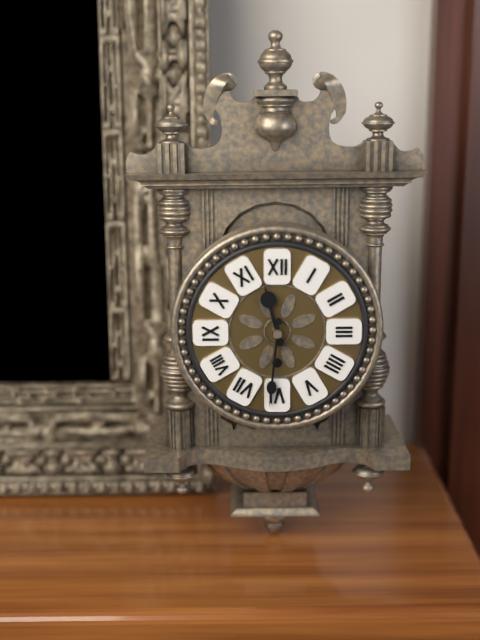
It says 11.31
